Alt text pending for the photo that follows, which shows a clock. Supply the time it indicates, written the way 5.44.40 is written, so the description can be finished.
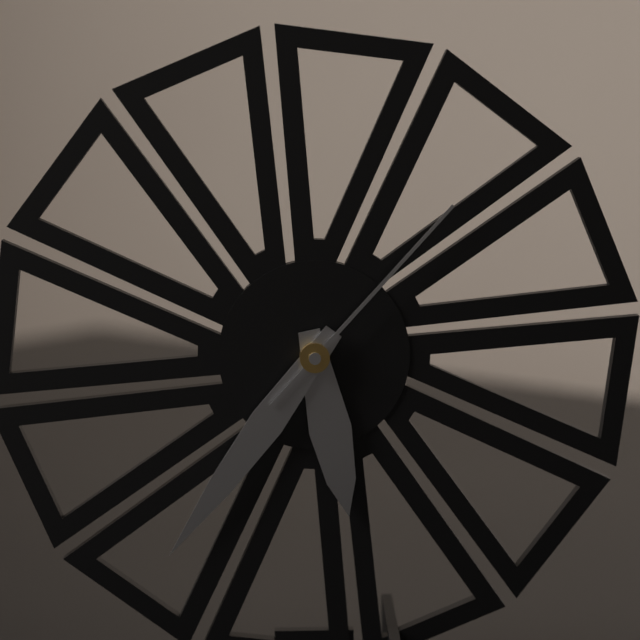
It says 5.36.07
